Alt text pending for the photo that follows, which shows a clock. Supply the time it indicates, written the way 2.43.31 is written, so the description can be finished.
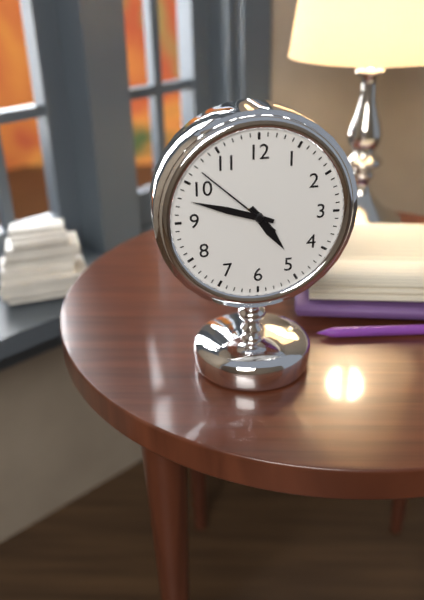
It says 4.48.52
